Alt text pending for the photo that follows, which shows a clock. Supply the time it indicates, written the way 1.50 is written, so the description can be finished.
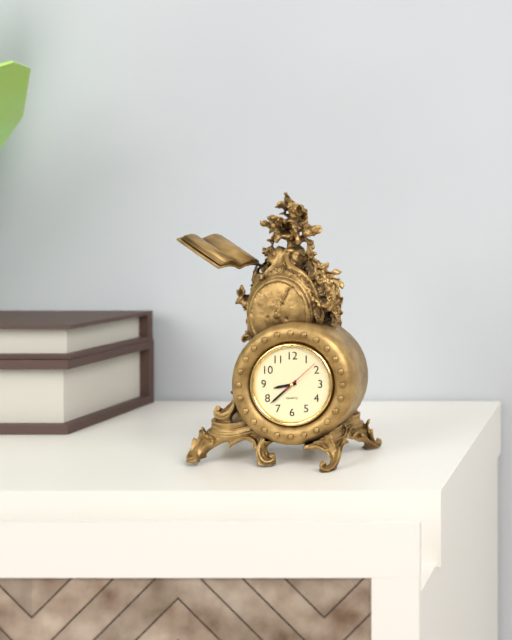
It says 8.38
